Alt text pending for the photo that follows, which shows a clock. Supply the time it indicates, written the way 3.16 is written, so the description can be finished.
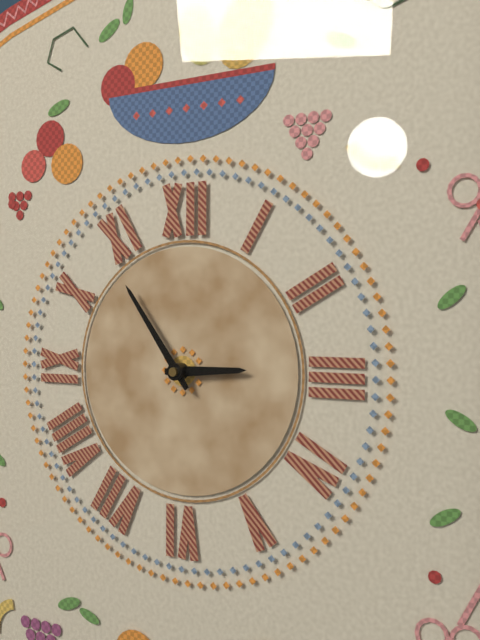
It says 2.54
